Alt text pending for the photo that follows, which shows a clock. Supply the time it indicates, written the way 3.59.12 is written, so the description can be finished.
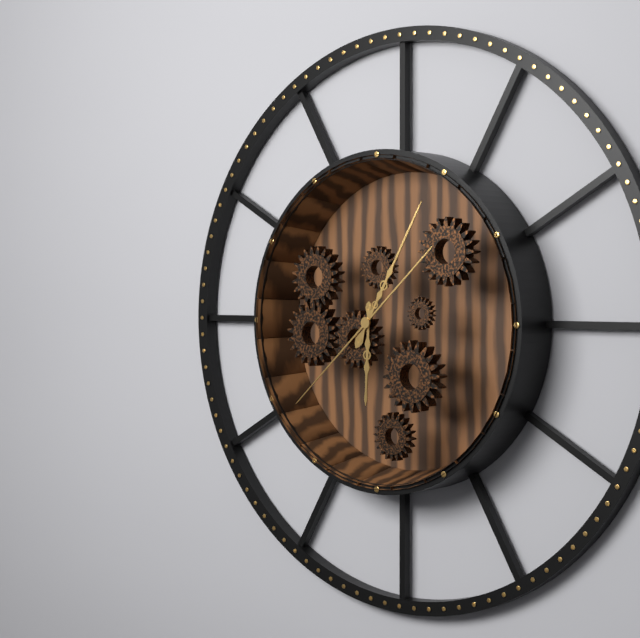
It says 6.05.38
